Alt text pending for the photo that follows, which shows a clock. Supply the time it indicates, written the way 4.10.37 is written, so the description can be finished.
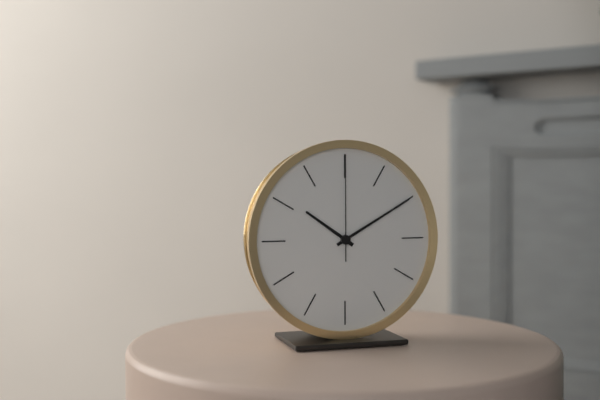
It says 10.10.00
